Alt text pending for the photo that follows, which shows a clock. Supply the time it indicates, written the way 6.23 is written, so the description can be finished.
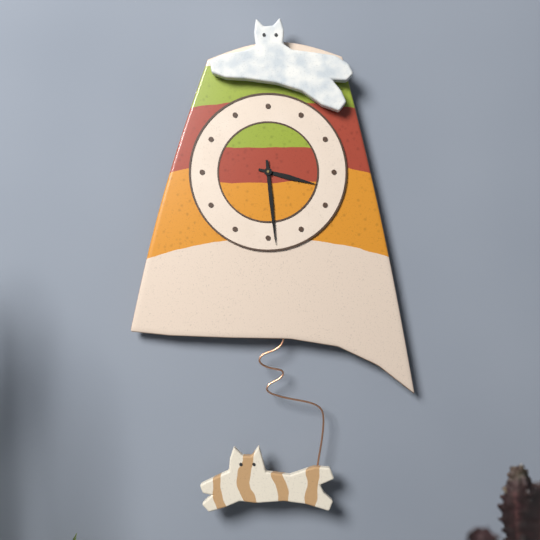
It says 3.29
